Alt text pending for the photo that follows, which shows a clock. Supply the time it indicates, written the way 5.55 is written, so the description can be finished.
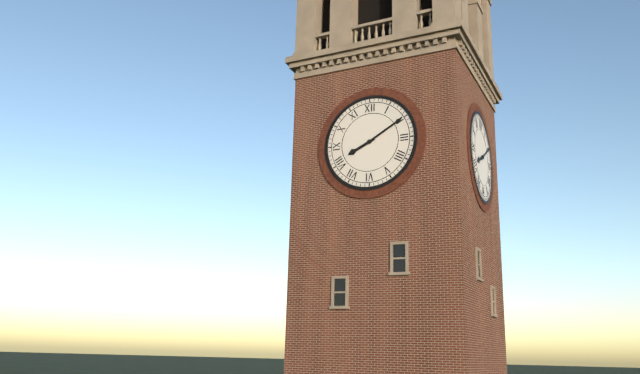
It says 8.10
